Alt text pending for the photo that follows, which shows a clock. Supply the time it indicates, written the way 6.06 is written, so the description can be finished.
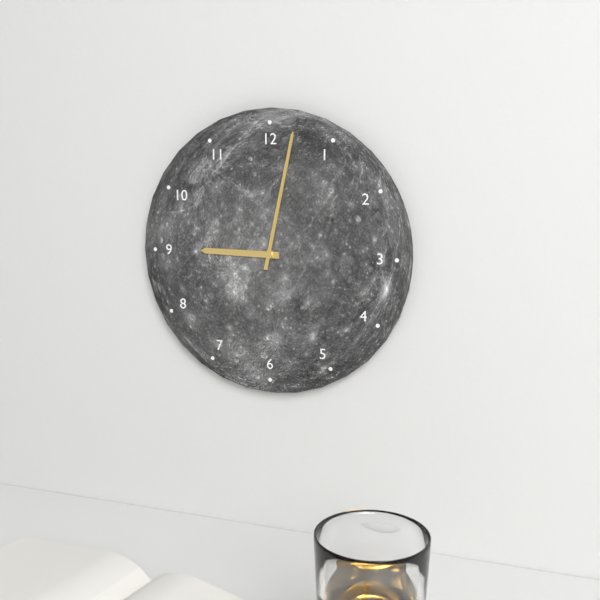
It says 9.02
